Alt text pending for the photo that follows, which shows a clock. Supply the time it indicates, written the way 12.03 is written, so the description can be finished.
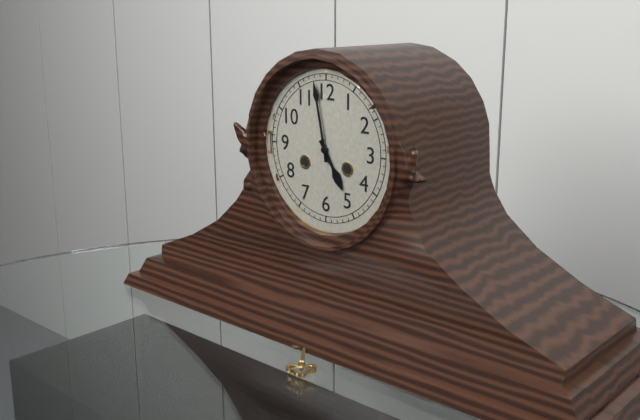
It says 4.58
